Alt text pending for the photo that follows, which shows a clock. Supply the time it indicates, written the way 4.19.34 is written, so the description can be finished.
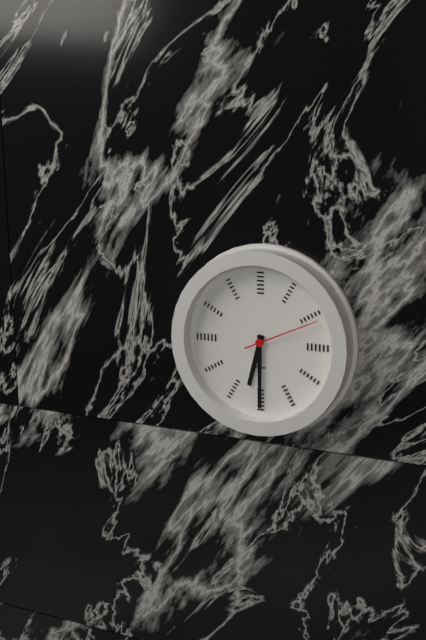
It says 6.30.11
